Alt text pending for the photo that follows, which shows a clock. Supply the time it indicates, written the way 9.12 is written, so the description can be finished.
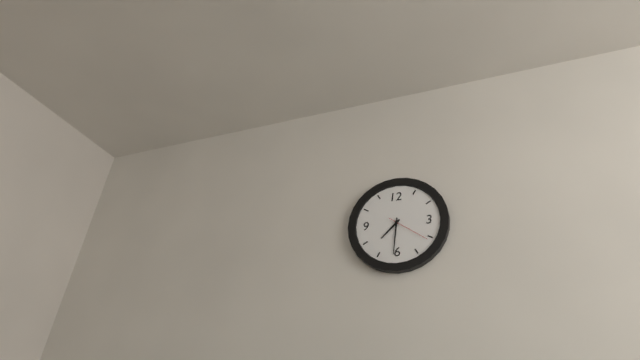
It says 7.31
